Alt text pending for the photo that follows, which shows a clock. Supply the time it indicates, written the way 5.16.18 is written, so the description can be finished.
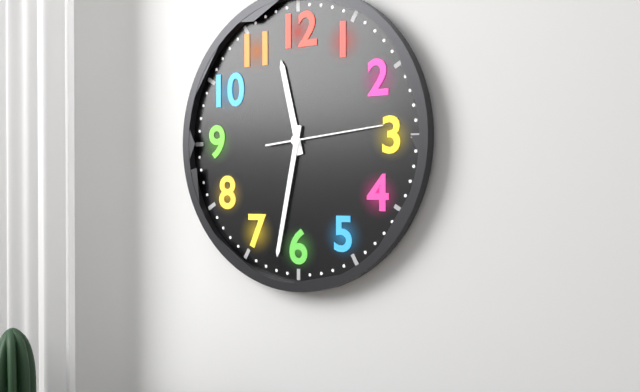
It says 11.32.14
